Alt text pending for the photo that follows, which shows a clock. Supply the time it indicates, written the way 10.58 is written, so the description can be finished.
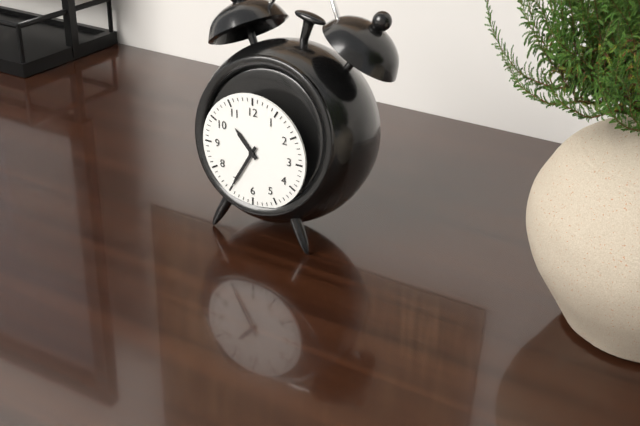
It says 10.35
